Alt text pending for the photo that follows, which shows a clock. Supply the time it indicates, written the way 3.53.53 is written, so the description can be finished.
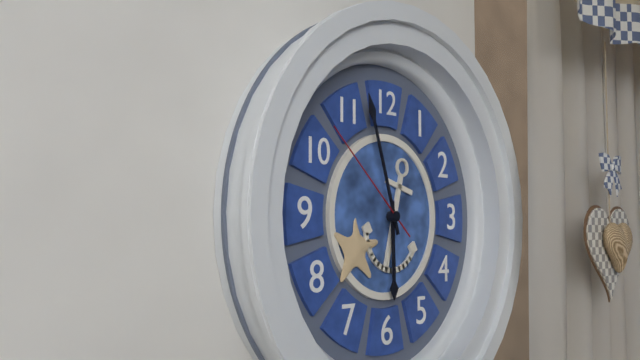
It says 5.57.52
